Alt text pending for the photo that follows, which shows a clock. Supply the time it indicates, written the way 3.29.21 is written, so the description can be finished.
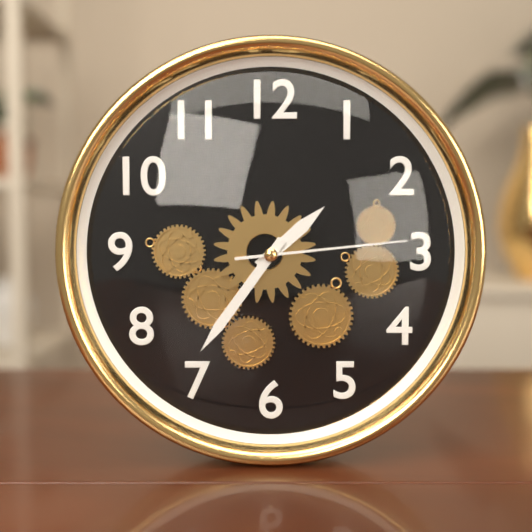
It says 1.36.14
